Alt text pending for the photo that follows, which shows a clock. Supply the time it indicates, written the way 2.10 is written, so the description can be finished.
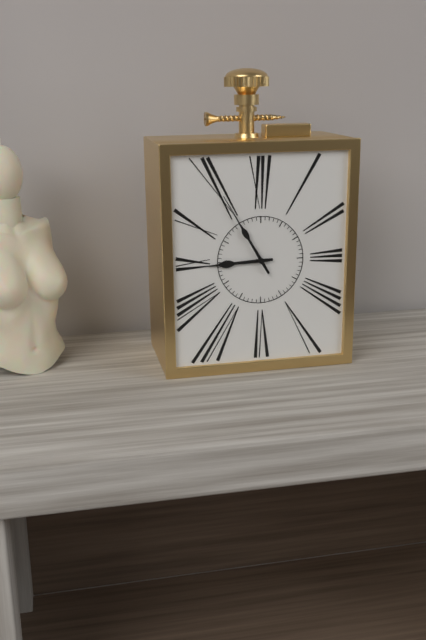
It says 8.55
